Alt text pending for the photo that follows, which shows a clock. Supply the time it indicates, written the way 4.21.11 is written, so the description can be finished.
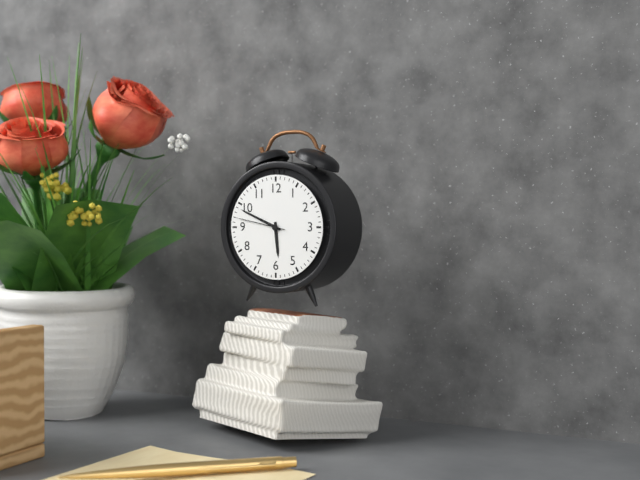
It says 5.49.47
